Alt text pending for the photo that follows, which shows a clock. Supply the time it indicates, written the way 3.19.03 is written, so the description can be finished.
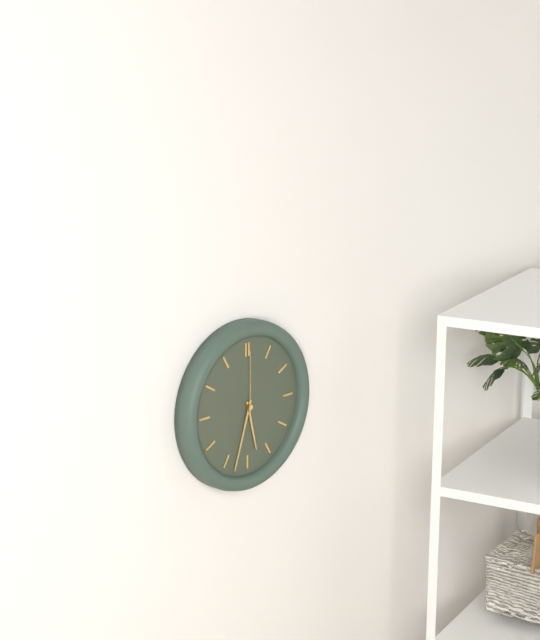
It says 5.33.00
